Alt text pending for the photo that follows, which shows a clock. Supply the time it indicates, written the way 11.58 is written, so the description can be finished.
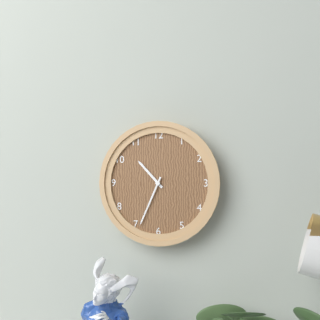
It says 10.34
